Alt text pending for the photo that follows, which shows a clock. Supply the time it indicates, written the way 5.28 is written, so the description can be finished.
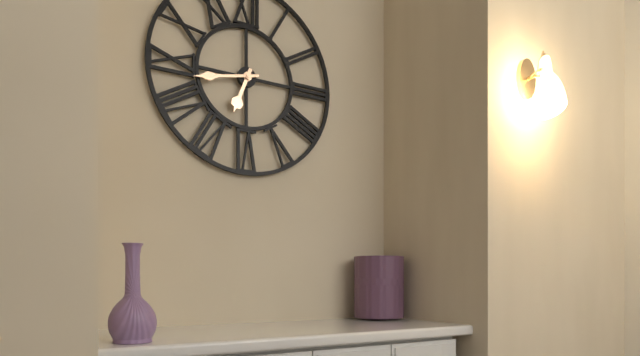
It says 6.43
